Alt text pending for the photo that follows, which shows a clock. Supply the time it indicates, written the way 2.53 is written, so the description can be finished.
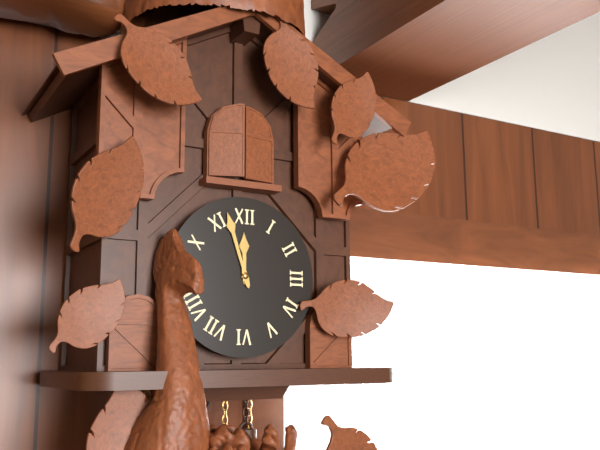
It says 11.57
